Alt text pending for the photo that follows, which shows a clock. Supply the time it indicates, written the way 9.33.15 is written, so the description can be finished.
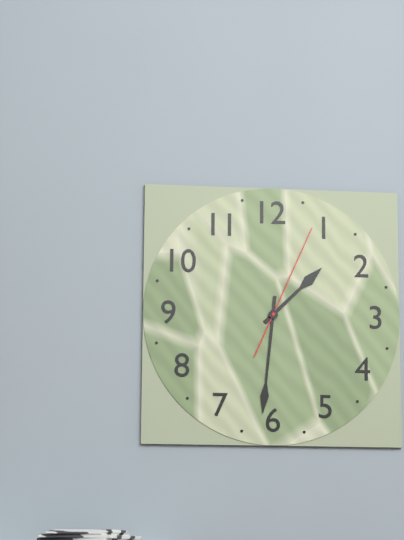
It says 1.31.04
